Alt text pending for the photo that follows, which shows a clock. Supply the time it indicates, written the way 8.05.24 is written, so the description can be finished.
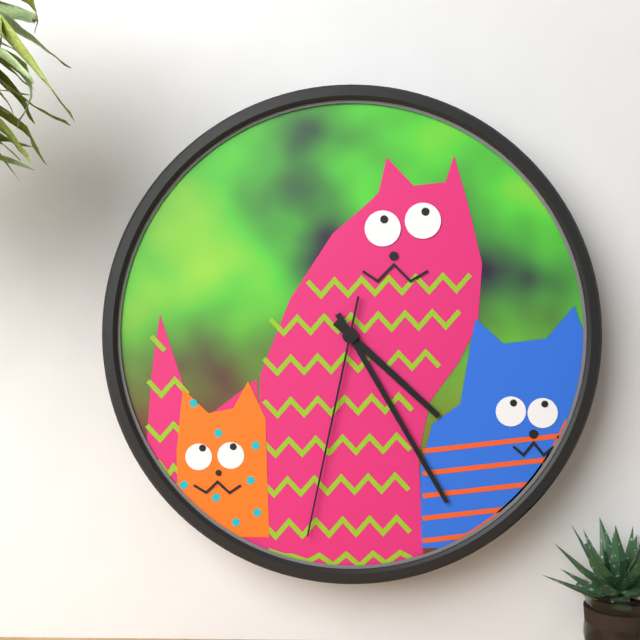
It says 4.25.32
